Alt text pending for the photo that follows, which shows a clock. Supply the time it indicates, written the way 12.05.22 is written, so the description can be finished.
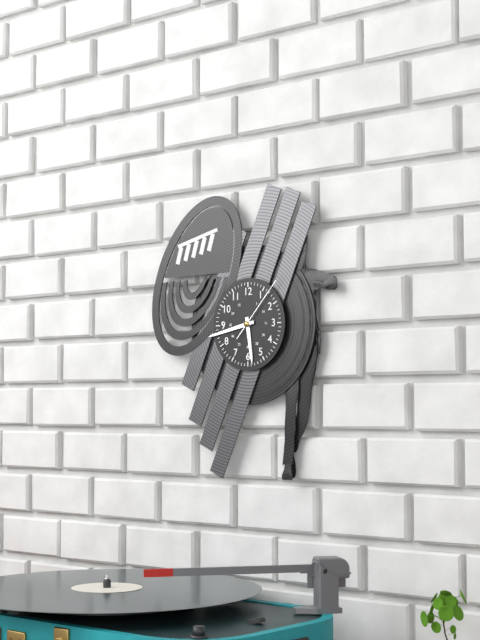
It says 5.43.07
